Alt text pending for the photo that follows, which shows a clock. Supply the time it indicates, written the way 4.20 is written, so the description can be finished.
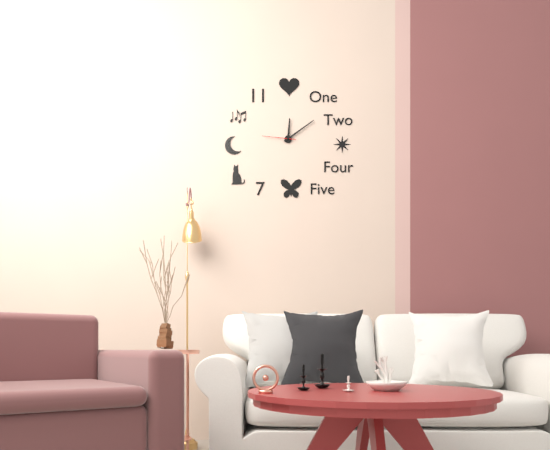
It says 12.09
